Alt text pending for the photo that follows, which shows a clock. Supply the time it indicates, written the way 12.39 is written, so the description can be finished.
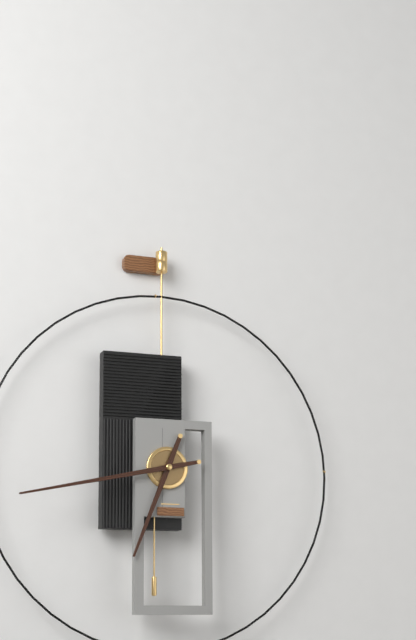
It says 6.43
